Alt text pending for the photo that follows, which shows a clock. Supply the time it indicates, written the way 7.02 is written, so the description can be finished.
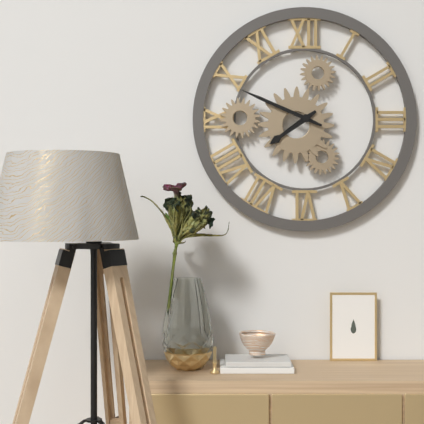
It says 7.49
